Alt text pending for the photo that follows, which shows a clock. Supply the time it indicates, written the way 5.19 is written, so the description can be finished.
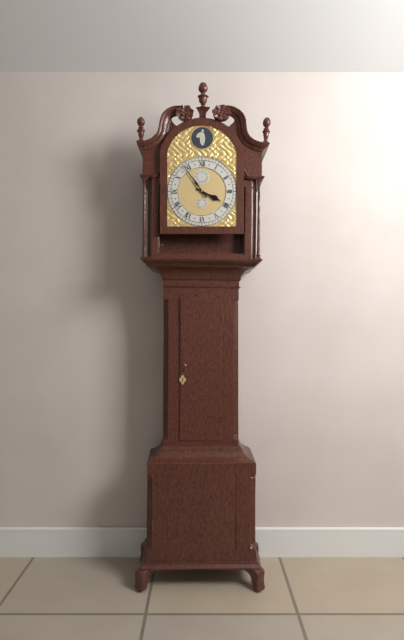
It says 3.54
